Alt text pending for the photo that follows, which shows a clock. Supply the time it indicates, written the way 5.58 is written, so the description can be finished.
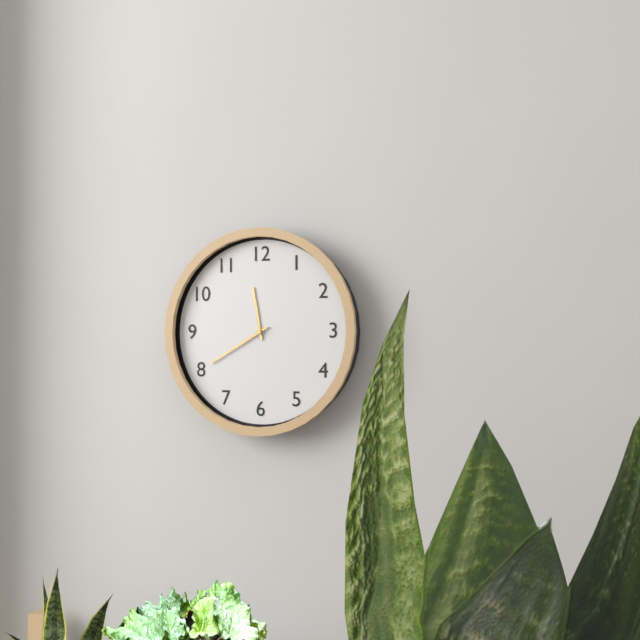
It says 11.40
